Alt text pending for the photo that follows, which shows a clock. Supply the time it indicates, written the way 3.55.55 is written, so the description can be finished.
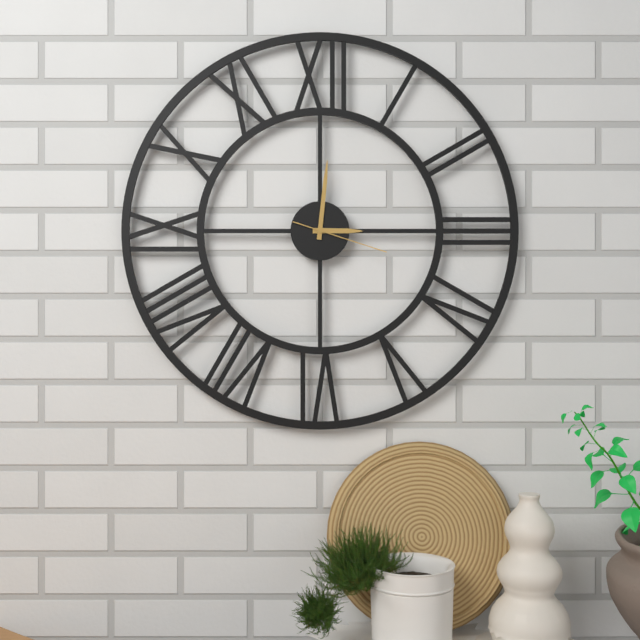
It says 3.01.18
